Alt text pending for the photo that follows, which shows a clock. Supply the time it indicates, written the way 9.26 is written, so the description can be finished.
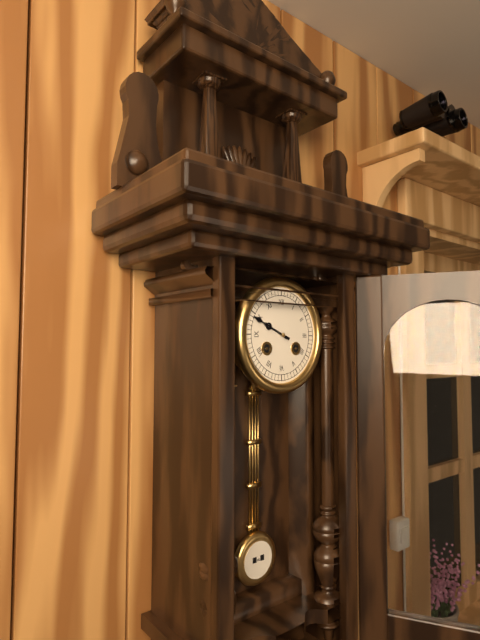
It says 9.49
